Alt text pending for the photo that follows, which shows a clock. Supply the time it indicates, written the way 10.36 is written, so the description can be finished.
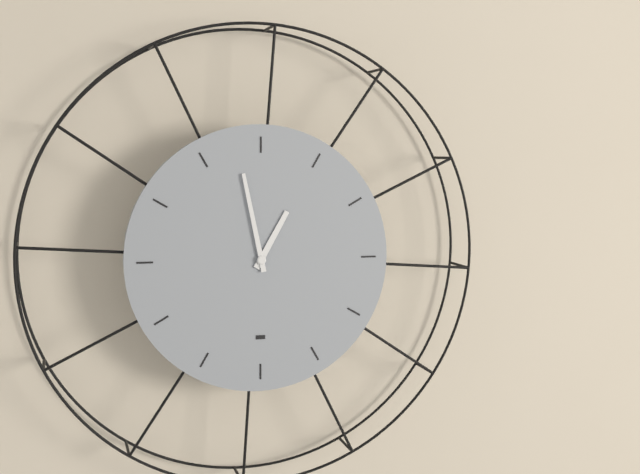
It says 12.58
